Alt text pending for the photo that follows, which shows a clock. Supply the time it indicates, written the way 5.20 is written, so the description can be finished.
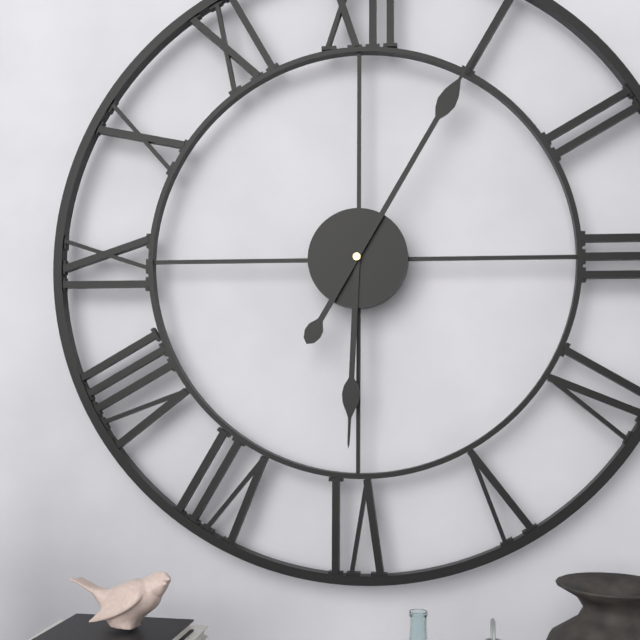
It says 6.05
